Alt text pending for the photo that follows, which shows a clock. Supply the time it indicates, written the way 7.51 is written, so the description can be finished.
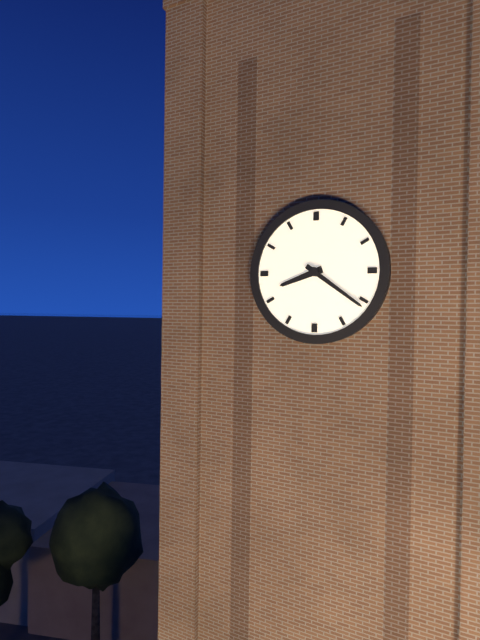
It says 8.21
